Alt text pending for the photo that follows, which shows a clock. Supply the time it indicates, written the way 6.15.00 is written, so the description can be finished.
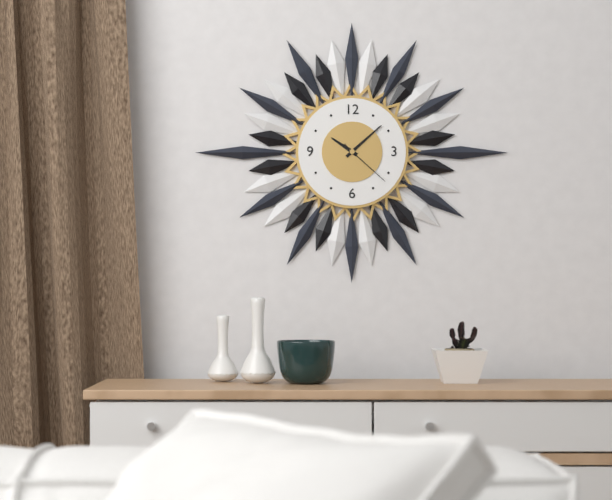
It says 10.08.22
